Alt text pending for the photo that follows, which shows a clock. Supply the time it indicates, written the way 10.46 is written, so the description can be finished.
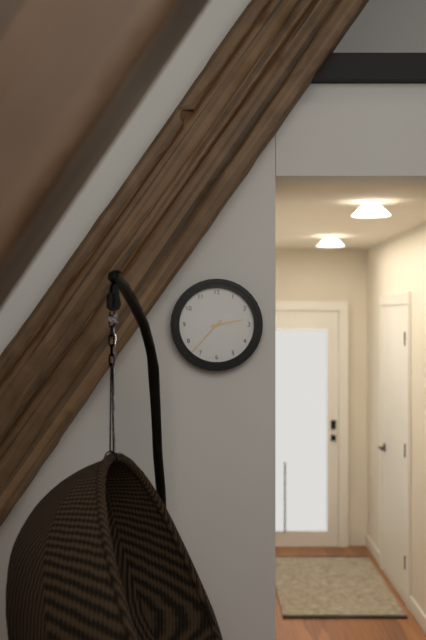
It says 2.37
